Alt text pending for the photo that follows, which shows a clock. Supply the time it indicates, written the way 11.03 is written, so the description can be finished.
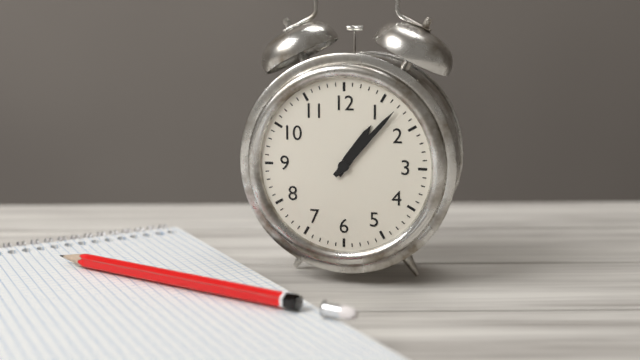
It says 1.07
